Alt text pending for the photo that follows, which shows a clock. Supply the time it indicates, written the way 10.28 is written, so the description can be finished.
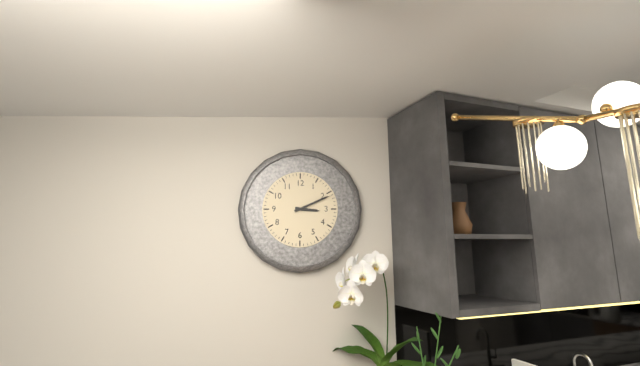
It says 3.11
